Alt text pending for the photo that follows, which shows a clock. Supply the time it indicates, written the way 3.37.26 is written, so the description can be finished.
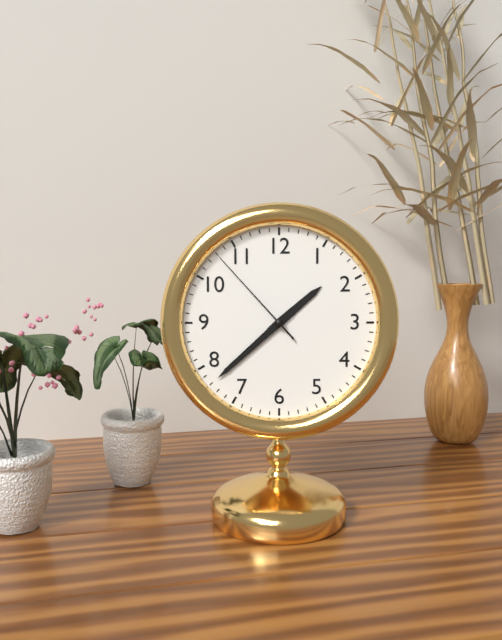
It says 1.38.53
